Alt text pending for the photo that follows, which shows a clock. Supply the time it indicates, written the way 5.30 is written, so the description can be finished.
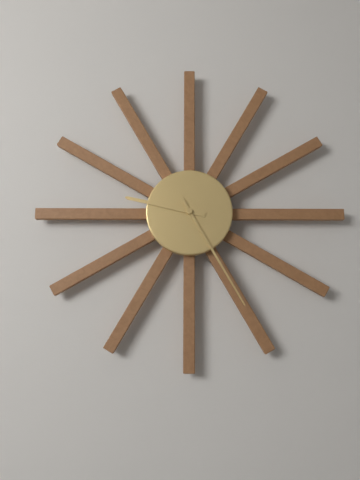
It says 9.25
